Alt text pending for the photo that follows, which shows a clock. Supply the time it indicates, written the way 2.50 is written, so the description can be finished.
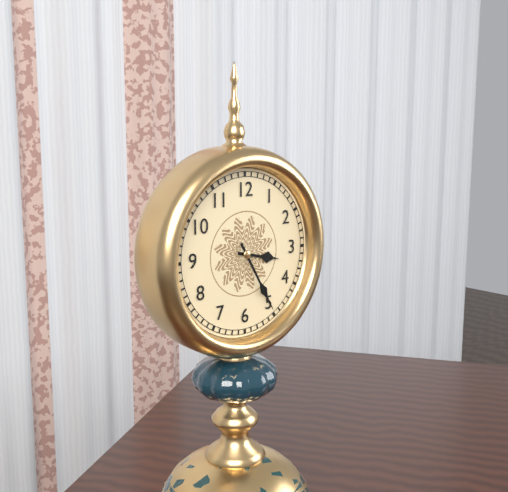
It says 3.25
